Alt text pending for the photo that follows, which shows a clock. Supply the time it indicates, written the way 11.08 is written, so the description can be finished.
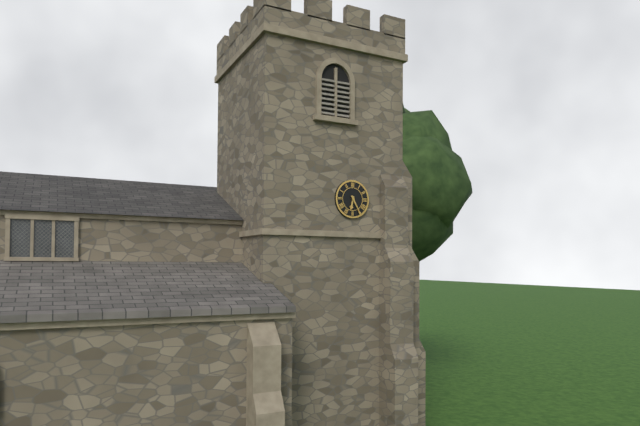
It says 6.25
